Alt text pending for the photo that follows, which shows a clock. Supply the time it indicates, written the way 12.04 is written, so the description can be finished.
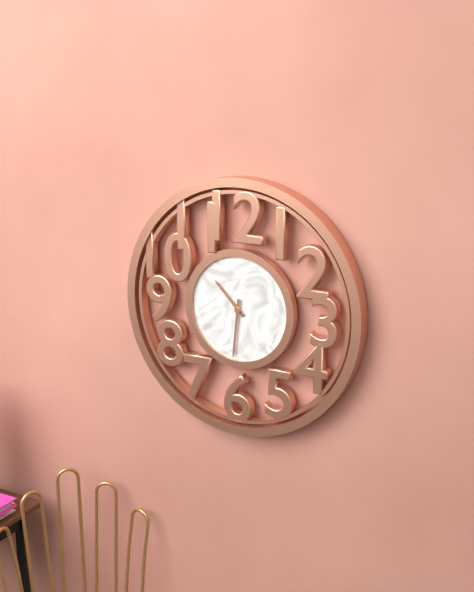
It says 10.31
